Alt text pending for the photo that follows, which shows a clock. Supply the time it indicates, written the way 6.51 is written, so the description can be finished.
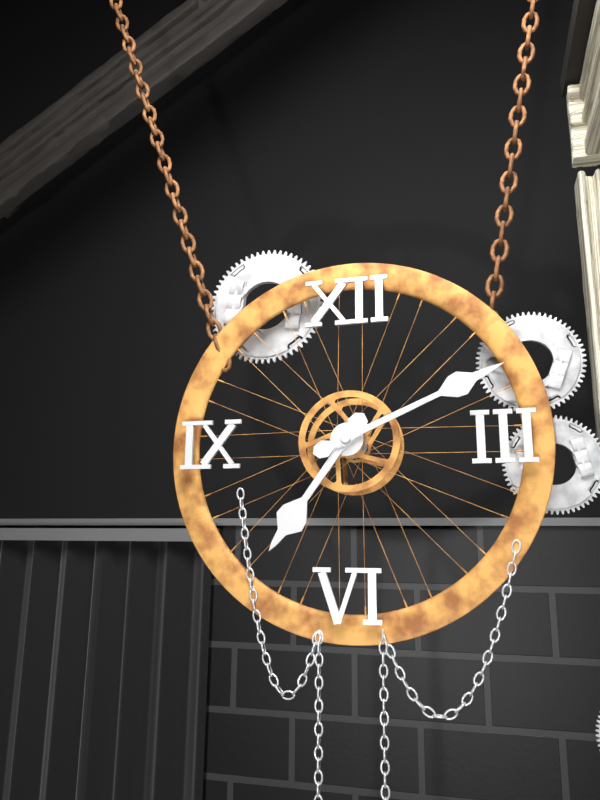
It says 7.11
